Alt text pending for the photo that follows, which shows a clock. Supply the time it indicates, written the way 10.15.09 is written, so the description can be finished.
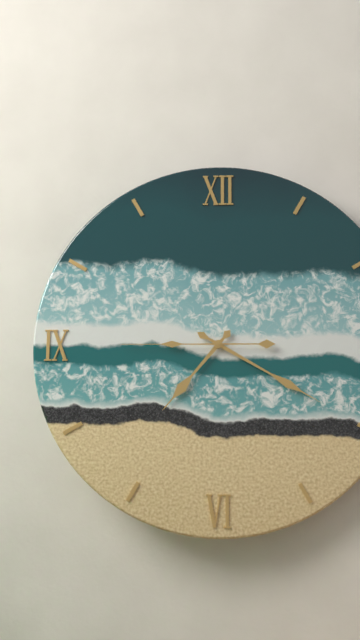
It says 7.20.45
